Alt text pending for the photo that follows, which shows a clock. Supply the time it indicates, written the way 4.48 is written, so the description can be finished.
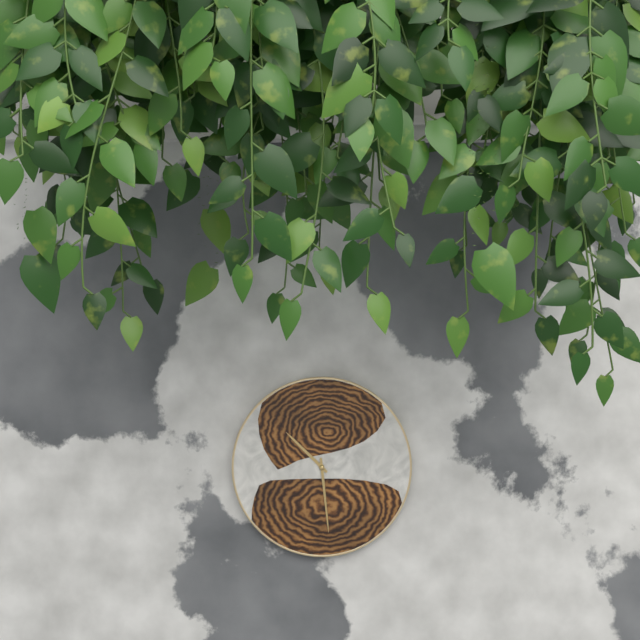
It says 10.29
